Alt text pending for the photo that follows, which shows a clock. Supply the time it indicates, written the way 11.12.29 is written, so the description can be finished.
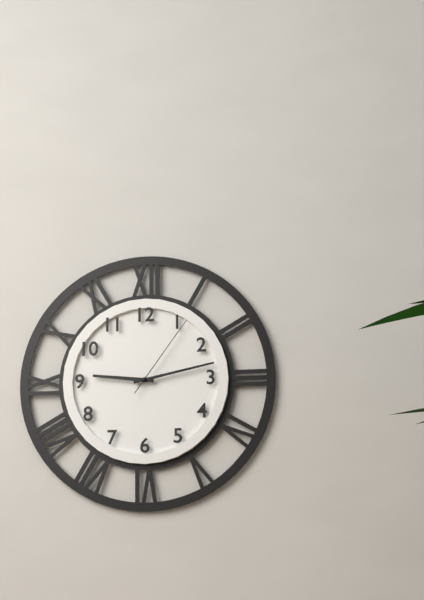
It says 9.13.06
